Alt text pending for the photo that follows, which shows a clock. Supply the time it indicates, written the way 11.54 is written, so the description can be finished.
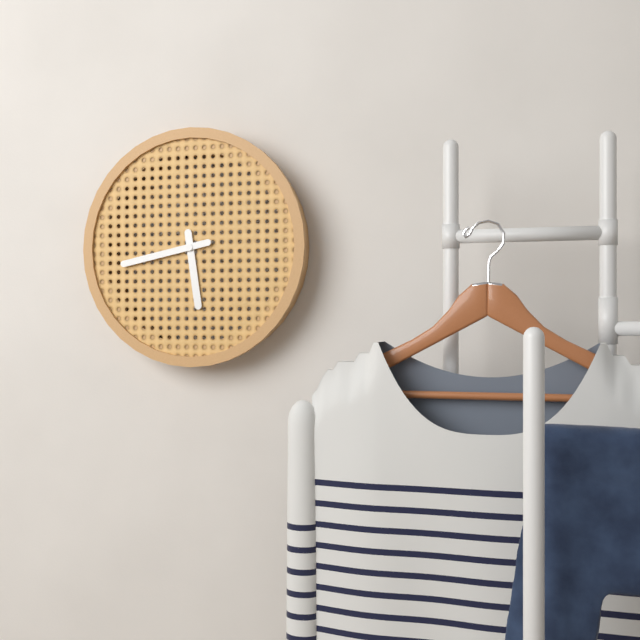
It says 5.43
